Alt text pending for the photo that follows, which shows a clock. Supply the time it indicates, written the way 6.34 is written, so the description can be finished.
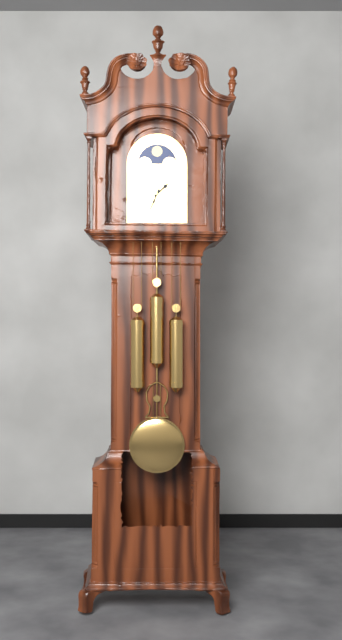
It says 1.34
